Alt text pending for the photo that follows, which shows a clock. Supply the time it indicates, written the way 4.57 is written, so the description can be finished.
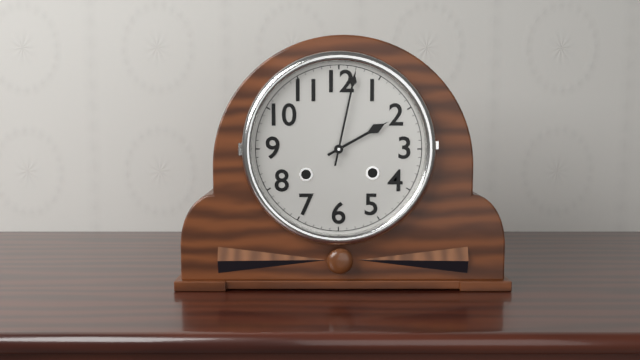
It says 2.02
